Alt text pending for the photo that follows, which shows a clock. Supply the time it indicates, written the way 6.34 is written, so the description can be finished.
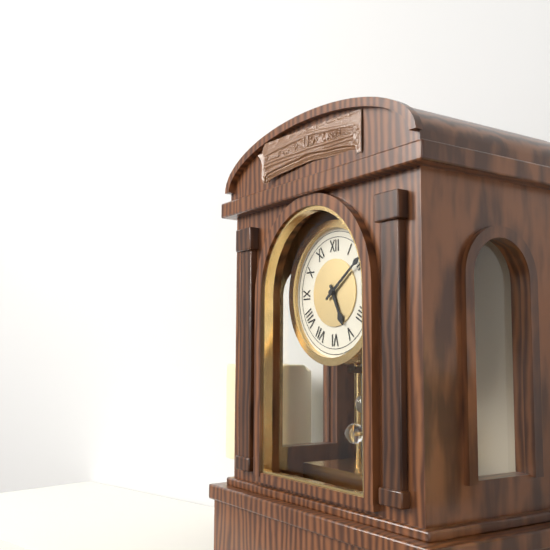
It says 5.09
